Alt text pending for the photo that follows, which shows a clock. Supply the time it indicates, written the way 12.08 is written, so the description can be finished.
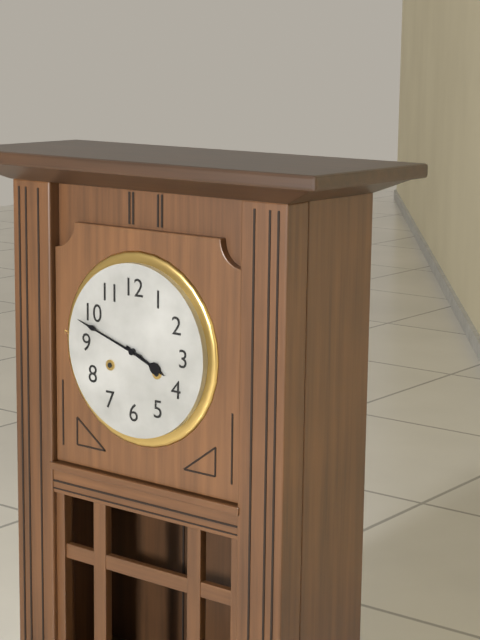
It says 3.48
